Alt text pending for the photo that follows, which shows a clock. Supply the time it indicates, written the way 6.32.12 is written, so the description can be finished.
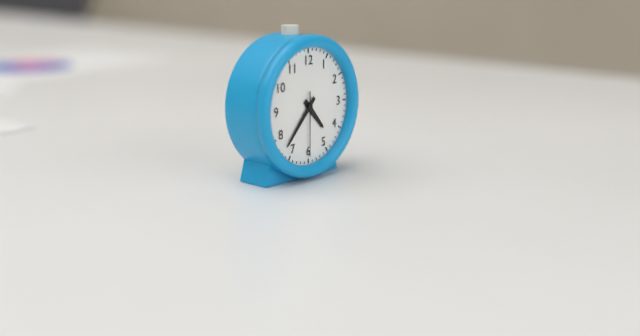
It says 4.37.30
